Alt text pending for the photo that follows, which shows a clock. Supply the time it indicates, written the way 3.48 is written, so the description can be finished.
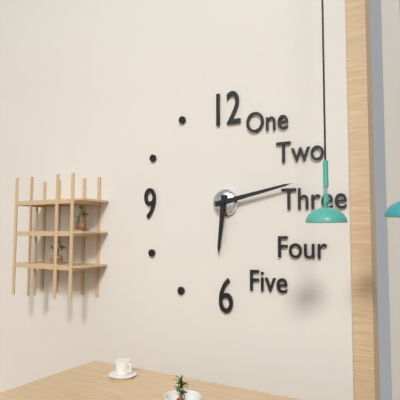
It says 6.13
